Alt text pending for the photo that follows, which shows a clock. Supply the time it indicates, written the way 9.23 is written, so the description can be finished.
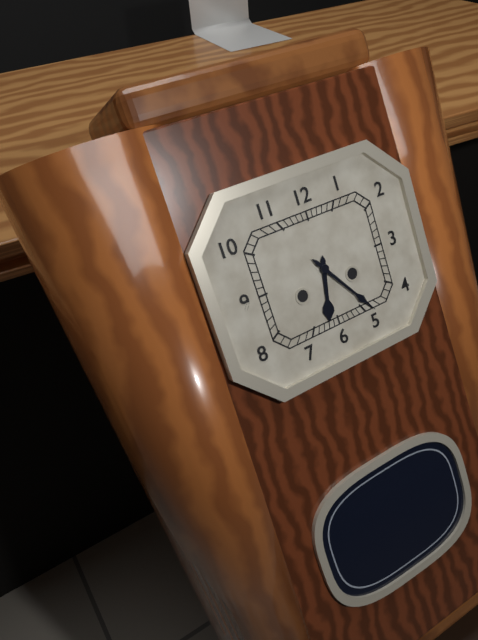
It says 6.24
